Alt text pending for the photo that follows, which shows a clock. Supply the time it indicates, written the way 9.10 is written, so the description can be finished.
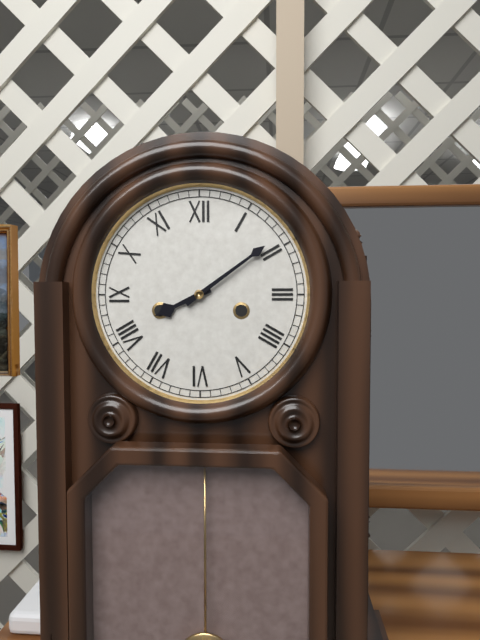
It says 8.09
